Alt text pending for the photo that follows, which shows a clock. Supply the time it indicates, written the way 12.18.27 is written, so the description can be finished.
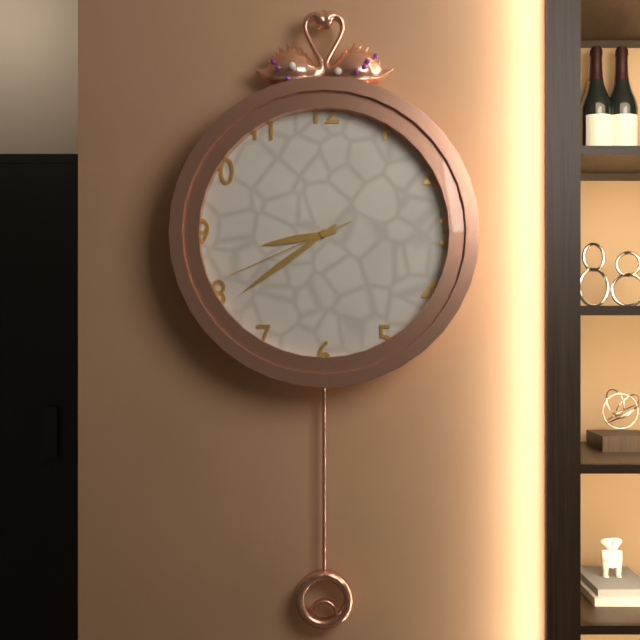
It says 8.39.41
